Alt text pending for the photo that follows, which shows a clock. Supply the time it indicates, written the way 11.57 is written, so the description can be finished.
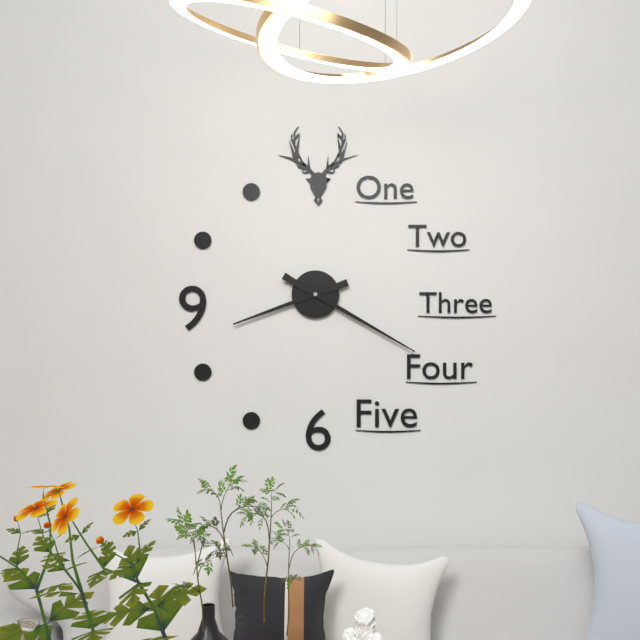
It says 8.20
